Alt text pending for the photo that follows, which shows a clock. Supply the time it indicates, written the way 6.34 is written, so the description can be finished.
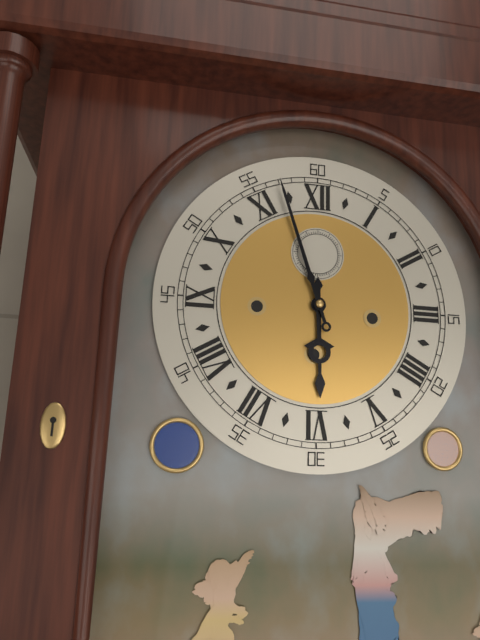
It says 5.57
